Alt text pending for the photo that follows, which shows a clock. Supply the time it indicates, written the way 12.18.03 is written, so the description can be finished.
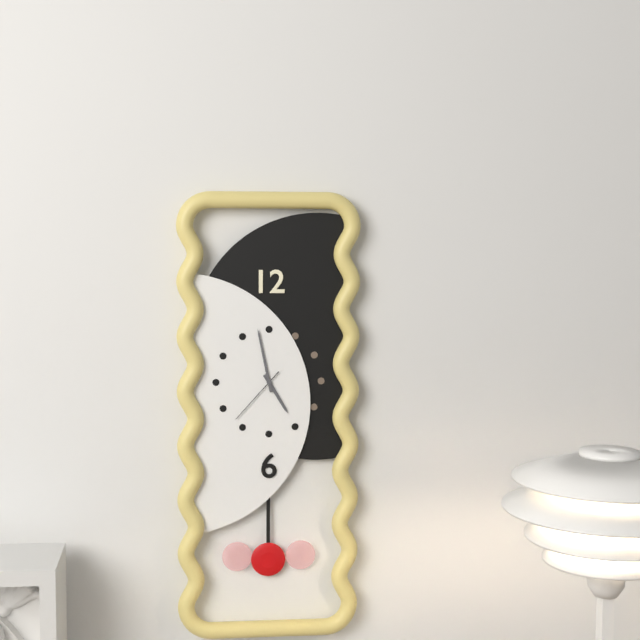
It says 4.58.37
